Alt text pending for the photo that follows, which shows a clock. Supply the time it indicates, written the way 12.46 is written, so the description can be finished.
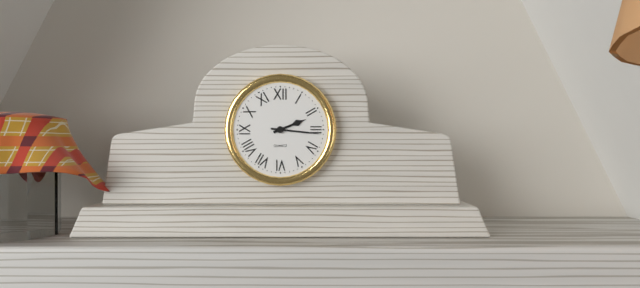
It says 2.16
